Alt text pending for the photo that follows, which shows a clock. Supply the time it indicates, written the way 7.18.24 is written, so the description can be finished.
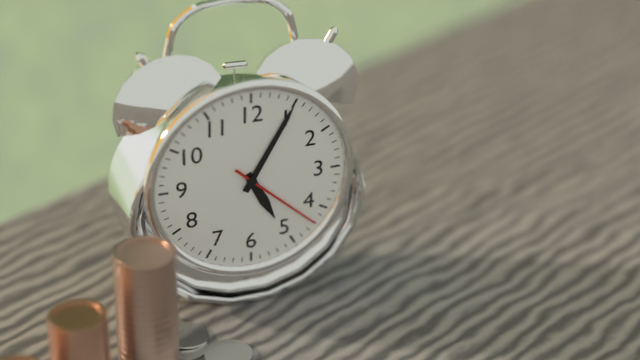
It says 5.05.22
